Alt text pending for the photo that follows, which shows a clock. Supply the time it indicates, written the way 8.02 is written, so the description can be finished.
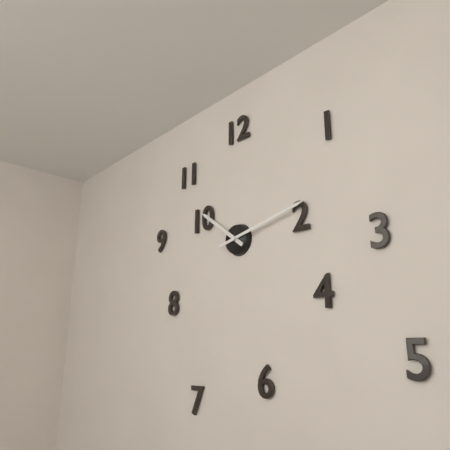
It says 10.13
